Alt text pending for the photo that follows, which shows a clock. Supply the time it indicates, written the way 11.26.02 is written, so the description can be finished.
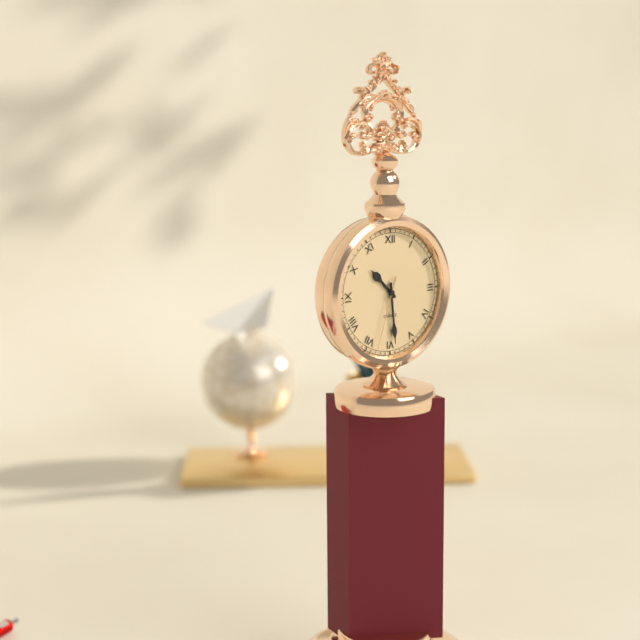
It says 10.29.33
